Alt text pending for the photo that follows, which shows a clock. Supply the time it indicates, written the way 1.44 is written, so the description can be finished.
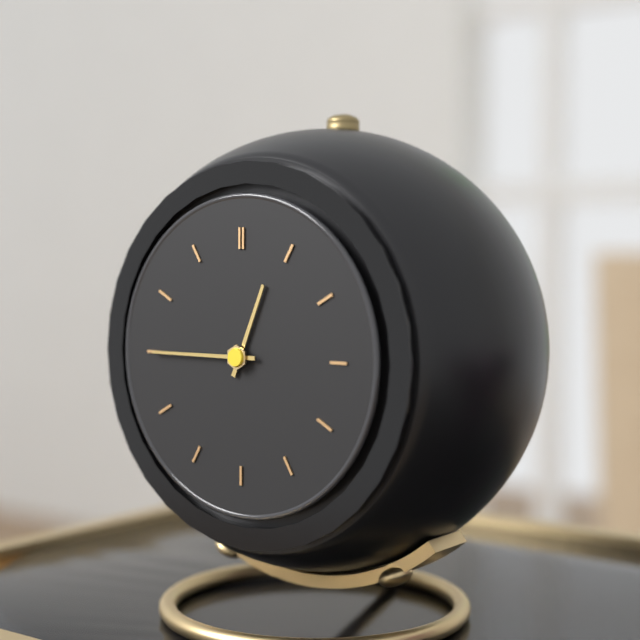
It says 12.45
